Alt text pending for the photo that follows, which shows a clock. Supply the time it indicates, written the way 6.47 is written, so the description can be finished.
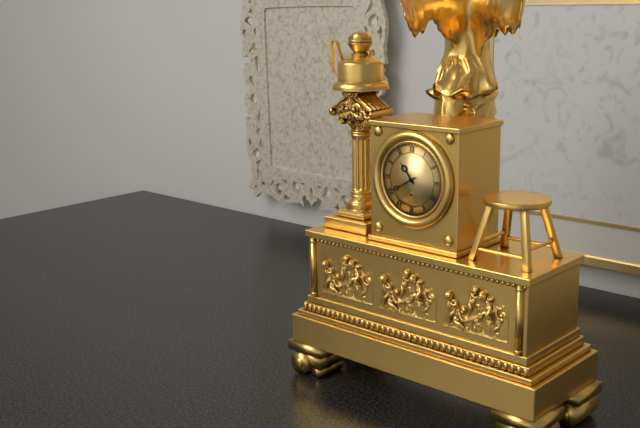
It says 10.40
